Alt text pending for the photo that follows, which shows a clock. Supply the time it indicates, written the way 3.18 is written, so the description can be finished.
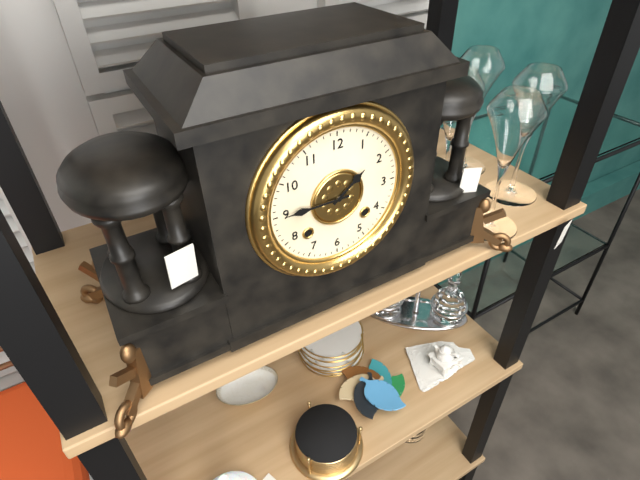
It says 1.45
